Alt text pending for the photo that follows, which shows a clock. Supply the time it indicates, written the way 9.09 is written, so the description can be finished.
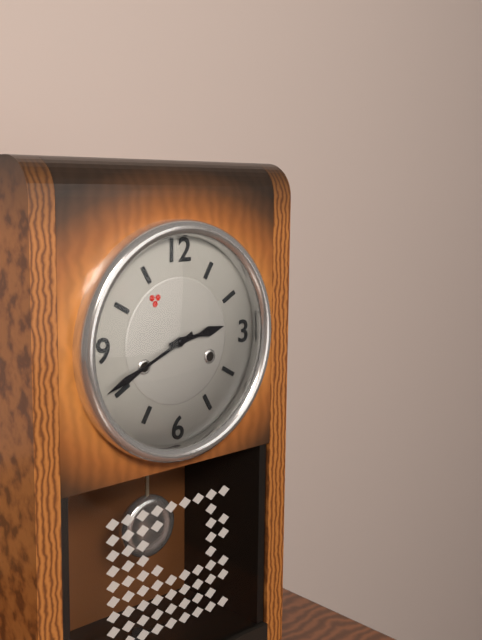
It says 2.41
